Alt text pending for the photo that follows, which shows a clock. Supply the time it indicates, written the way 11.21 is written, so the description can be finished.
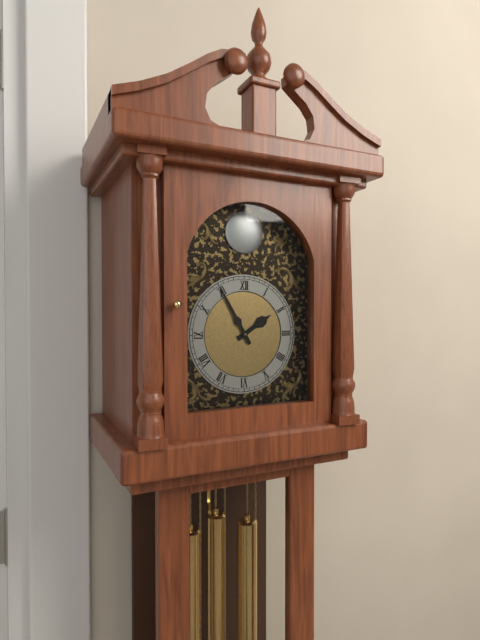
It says 1.55
